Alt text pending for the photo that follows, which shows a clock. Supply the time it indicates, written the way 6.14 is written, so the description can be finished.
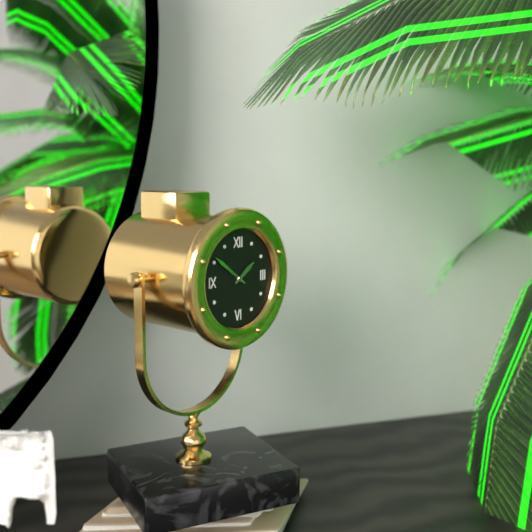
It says 1.51
